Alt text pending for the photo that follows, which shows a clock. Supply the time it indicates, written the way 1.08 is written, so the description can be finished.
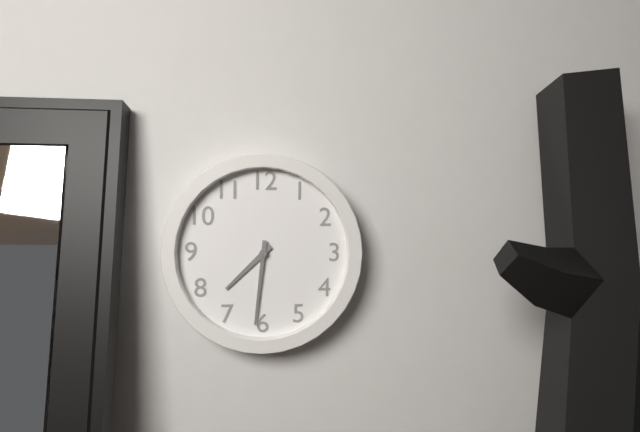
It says 7.31
